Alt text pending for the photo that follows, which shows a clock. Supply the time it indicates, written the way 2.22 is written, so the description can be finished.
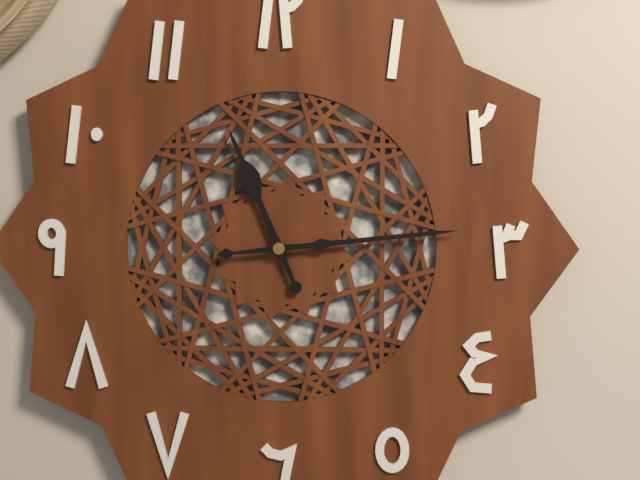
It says 11.14
